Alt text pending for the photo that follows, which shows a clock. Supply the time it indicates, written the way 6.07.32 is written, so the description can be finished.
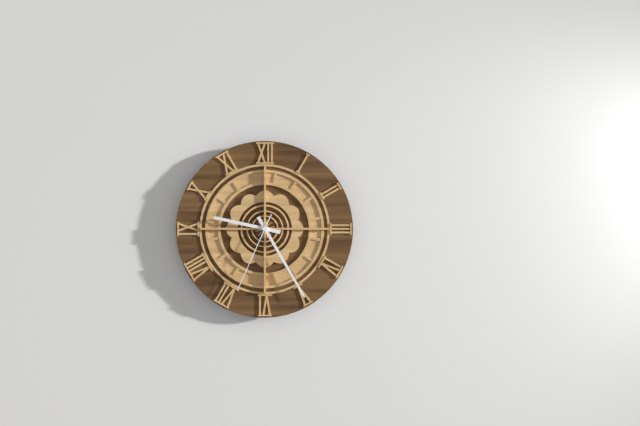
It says 9.25.34
